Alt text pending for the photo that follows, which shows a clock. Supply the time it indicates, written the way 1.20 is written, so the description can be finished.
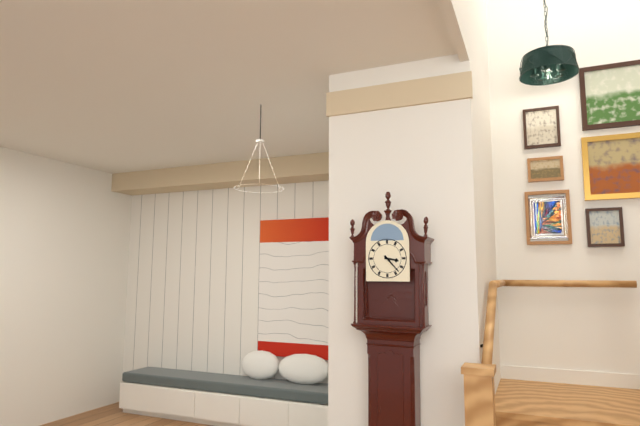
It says 3.23
